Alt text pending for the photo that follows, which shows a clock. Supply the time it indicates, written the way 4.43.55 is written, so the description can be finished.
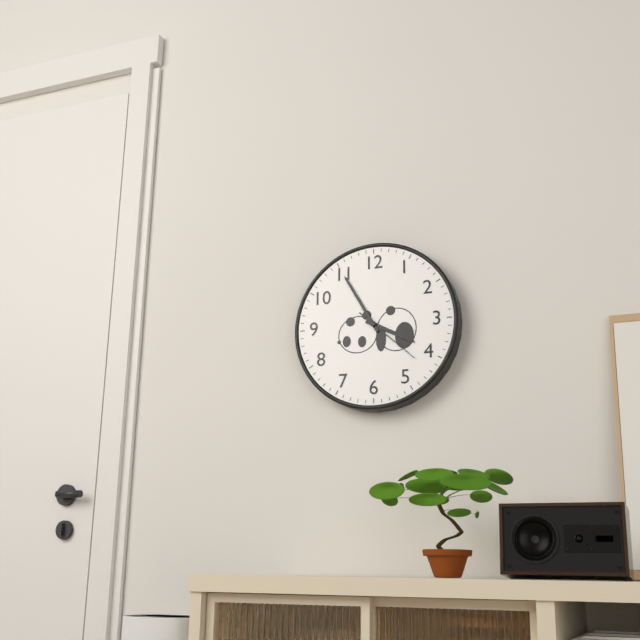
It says 3.55.22
